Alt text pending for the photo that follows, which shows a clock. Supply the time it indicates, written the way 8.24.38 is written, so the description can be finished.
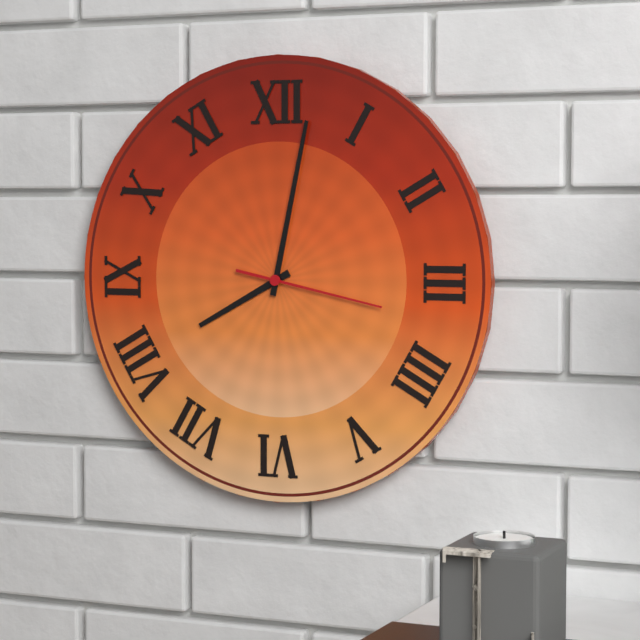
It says 8.02.17
